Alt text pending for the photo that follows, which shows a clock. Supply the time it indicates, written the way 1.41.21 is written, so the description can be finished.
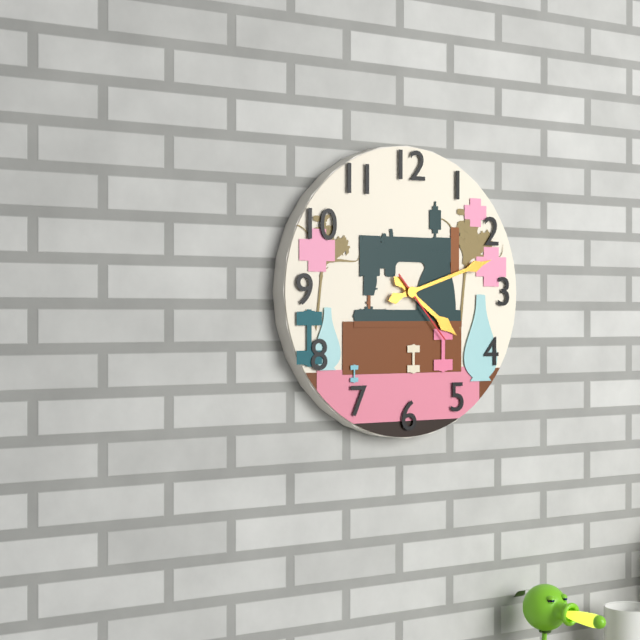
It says 4.12.23
